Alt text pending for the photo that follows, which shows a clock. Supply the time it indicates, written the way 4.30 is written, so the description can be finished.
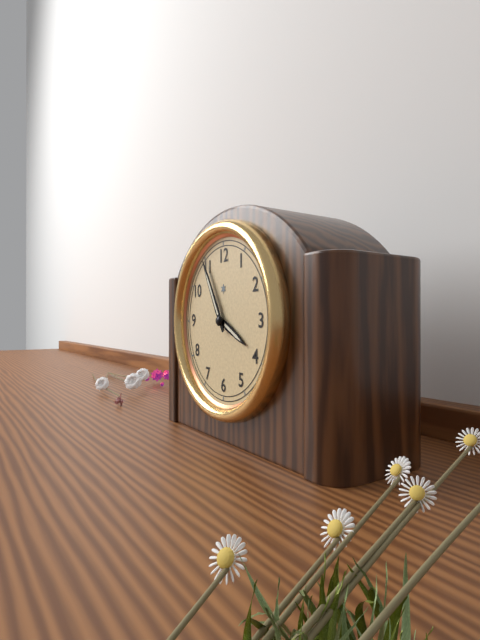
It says 3.55
